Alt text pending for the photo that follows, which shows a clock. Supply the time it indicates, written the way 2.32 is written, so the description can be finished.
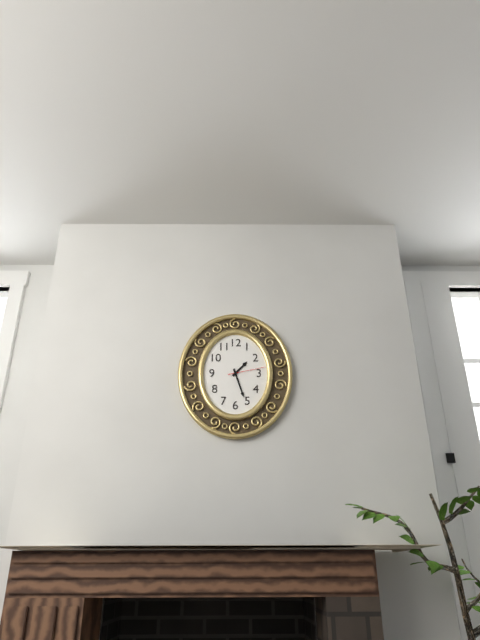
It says 1.27
